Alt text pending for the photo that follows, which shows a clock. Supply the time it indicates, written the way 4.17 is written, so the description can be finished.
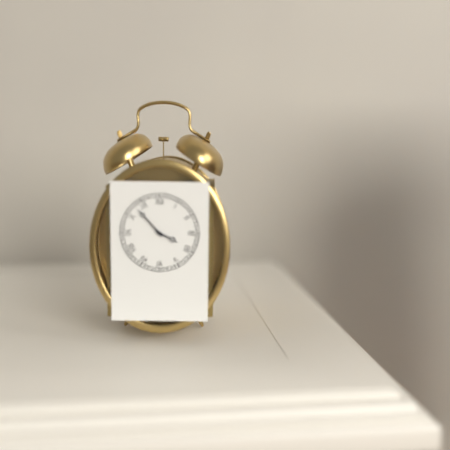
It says 3.53
